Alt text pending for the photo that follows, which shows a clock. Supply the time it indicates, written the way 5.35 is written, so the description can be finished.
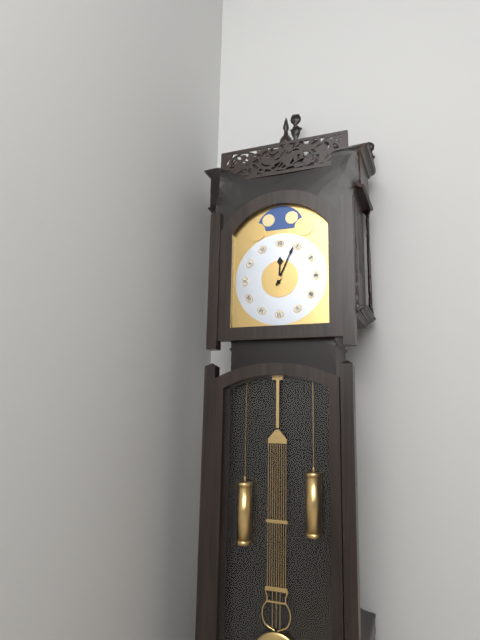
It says 12.04
